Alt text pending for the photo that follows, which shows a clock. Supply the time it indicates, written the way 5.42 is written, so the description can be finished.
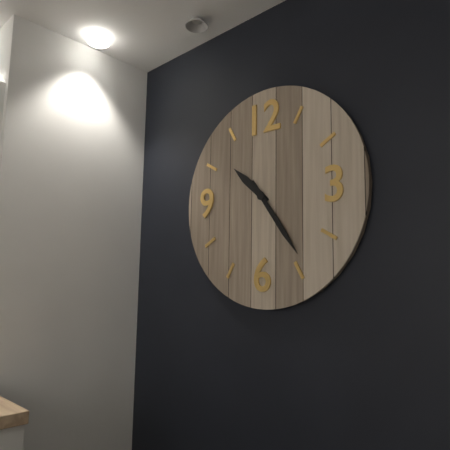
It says 10.24
